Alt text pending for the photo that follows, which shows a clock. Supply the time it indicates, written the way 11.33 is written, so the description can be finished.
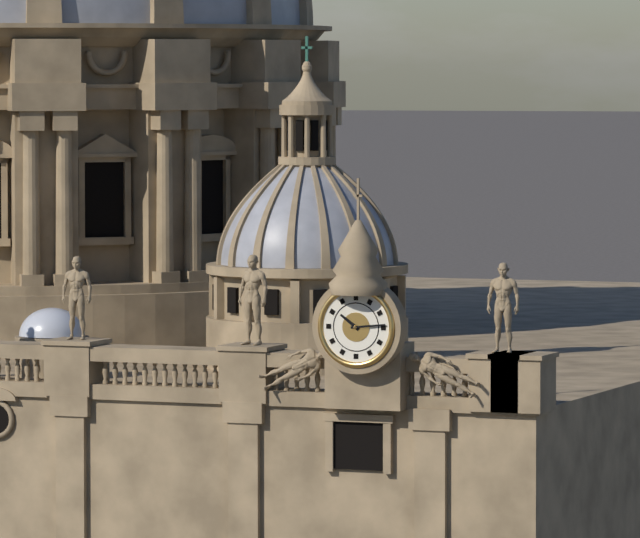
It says 10.14
